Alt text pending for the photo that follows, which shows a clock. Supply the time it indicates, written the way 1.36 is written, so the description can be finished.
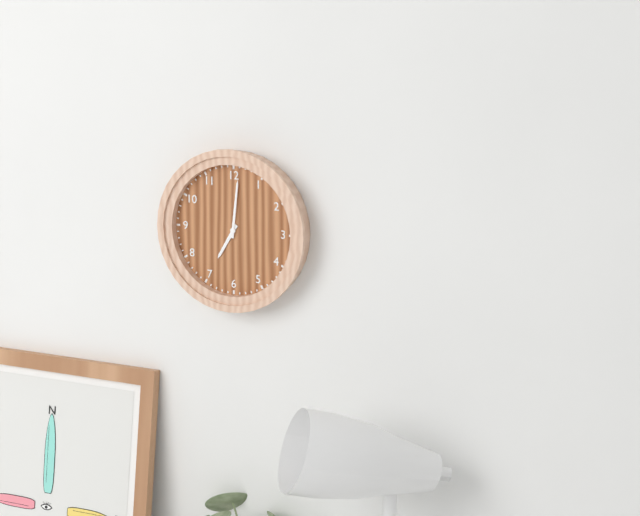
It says 7.01
